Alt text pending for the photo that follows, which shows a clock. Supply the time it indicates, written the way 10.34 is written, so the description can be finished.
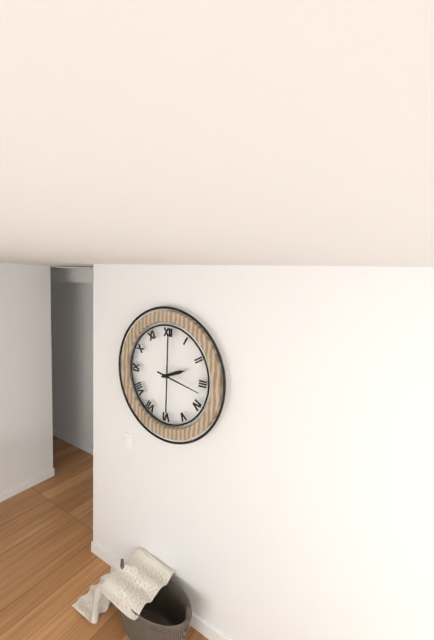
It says 2.17
